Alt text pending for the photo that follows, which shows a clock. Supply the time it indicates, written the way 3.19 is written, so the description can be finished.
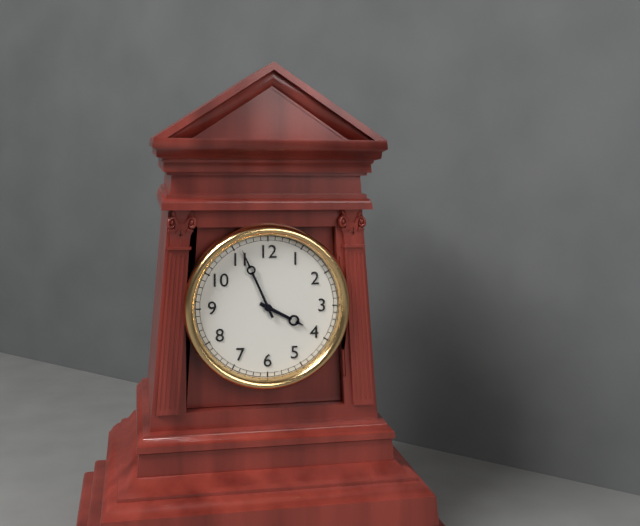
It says 3.56
